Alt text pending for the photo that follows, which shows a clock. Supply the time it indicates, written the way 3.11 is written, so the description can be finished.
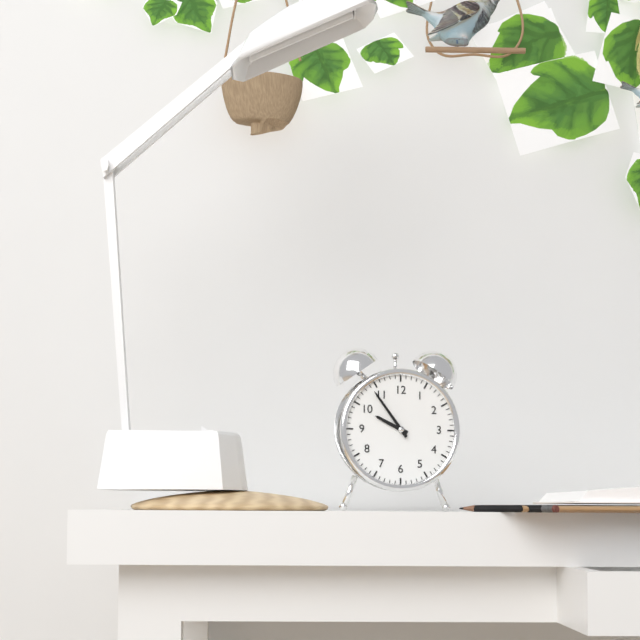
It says 9.54
